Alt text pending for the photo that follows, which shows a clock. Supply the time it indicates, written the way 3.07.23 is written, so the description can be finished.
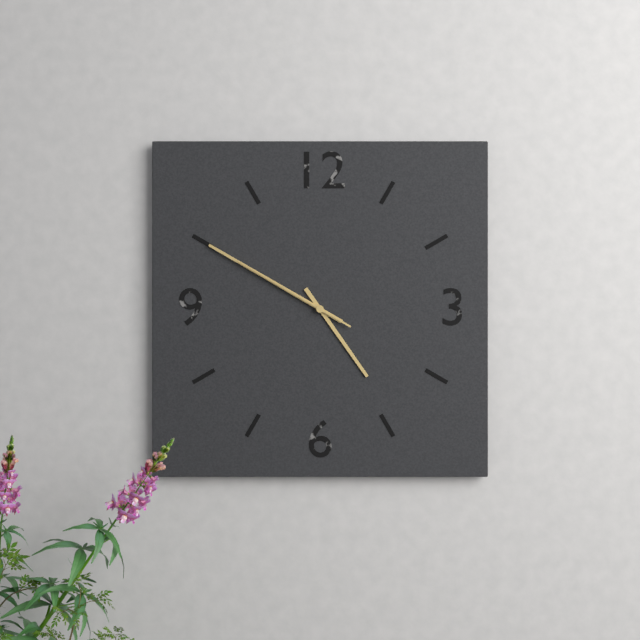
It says 4.50.50
